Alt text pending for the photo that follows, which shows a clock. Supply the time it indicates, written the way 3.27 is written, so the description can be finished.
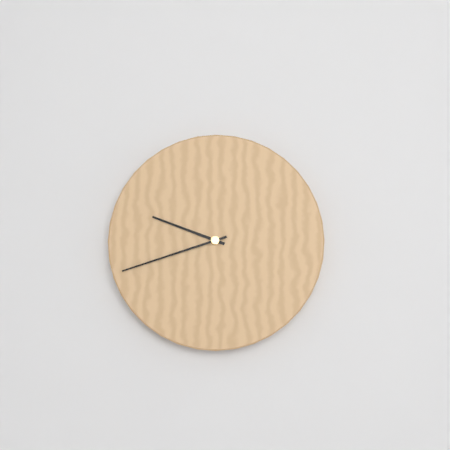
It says 9.42
